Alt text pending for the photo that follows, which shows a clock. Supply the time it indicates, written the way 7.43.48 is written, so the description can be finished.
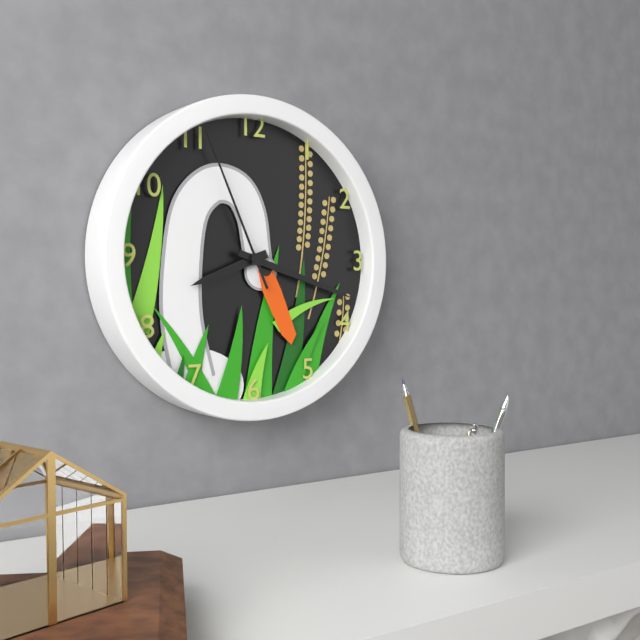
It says 8.18.56
